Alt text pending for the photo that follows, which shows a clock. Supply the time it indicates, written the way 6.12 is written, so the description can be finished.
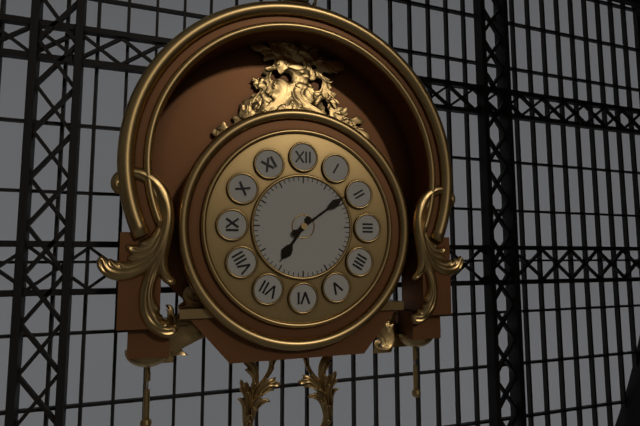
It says 7.09
